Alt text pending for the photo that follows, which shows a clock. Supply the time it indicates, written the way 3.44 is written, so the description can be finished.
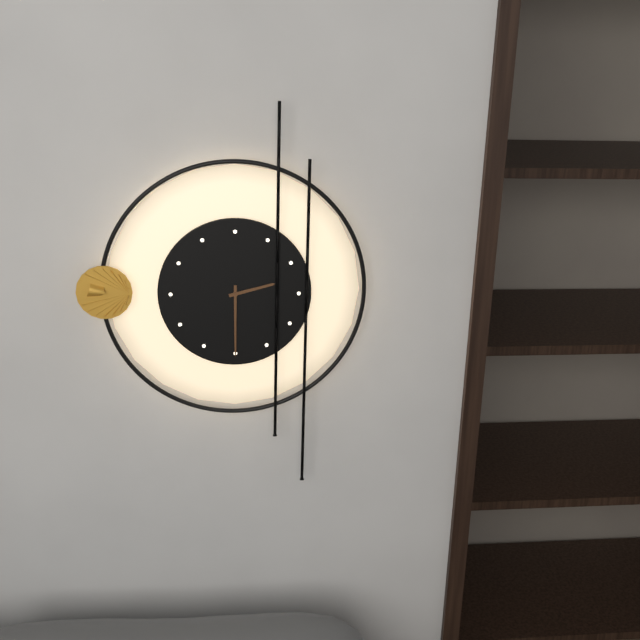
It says 2.30
